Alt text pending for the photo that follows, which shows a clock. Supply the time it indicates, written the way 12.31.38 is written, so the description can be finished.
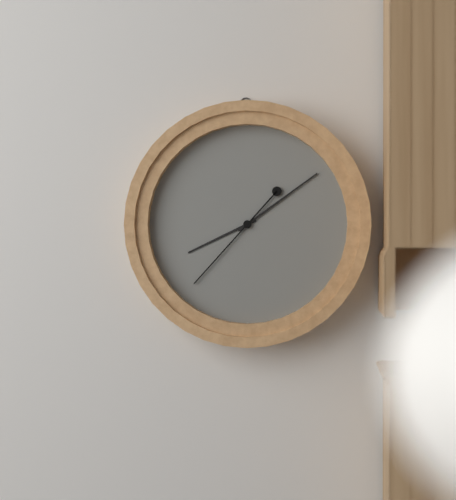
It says 8.09.37
